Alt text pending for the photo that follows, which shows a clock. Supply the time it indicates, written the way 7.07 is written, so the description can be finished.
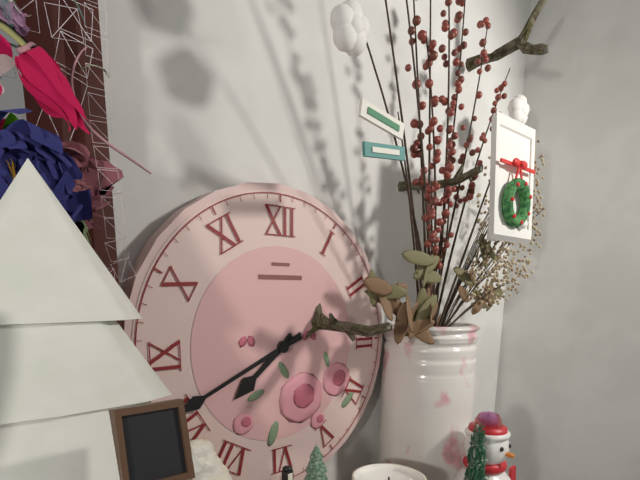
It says 7.41
